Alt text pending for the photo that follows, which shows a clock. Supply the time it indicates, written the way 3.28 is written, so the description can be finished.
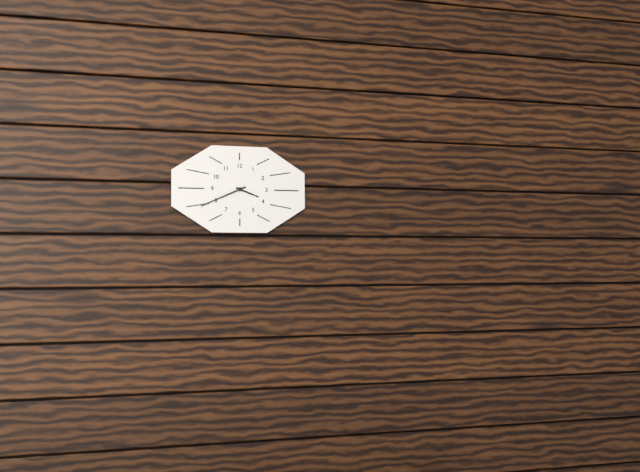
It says 3.41
